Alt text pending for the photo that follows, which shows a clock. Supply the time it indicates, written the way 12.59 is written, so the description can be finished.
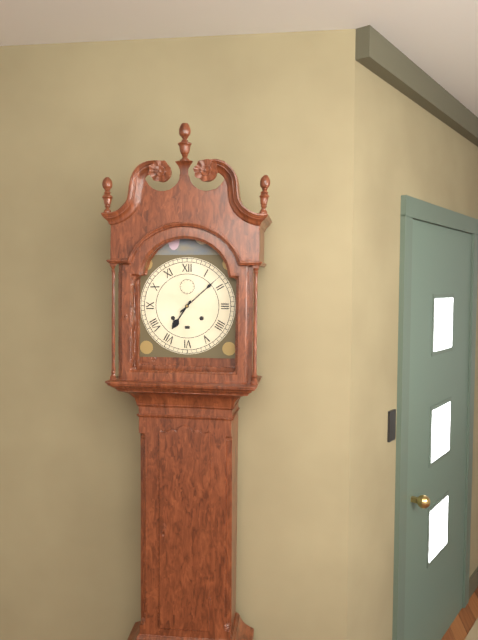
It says 7.08
